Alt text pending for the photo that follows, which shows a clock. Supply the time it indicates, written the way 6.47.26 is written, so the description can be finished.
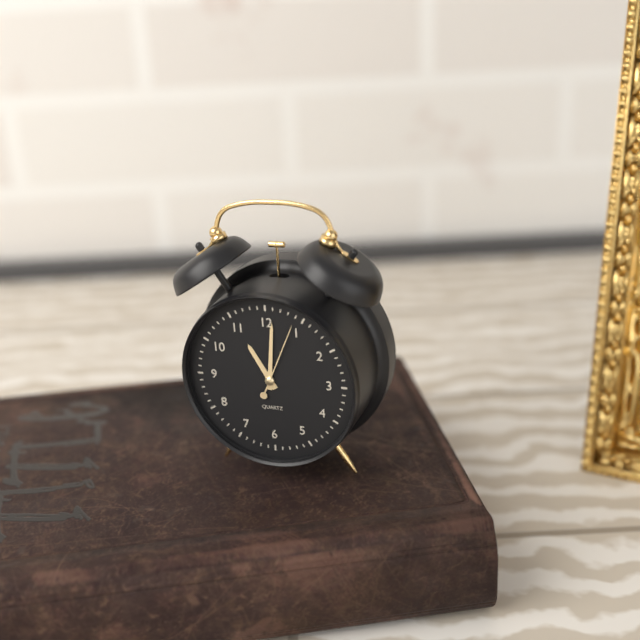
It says 11.01.04
